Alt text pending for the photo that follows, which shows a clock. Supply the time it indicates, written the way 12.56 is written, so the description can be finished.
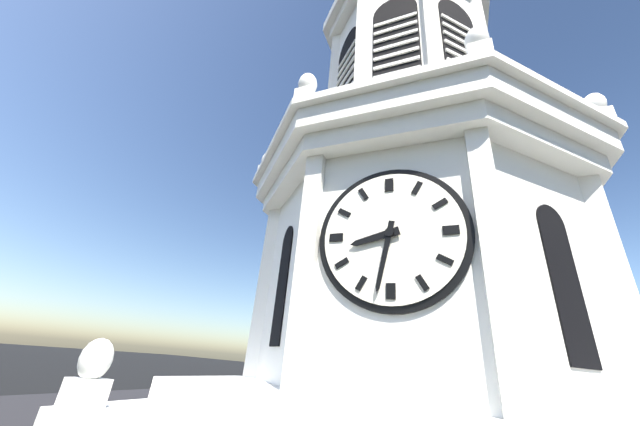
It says 8.32
